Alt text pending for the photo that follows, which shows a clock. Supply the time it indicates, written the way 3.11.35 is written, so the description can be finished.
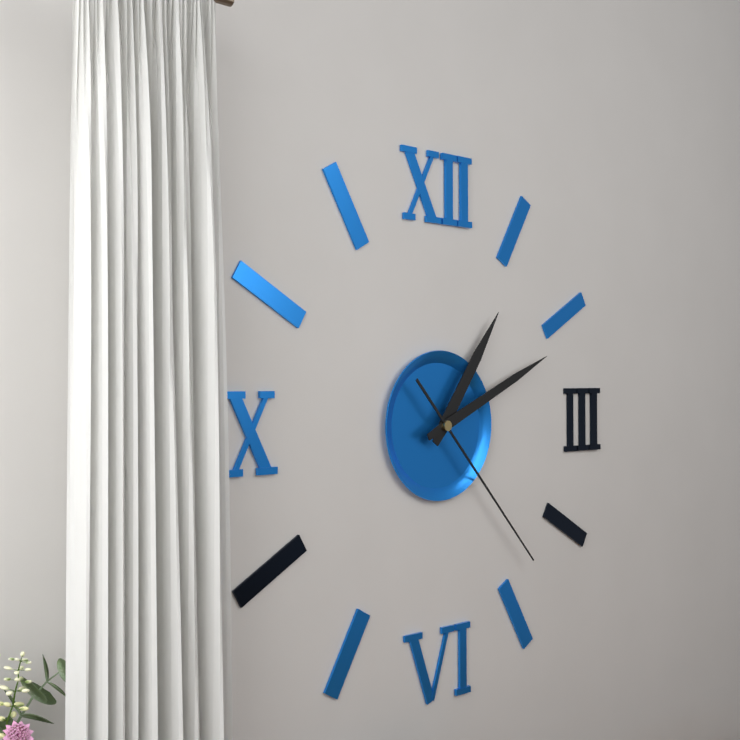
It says 1.11.23
